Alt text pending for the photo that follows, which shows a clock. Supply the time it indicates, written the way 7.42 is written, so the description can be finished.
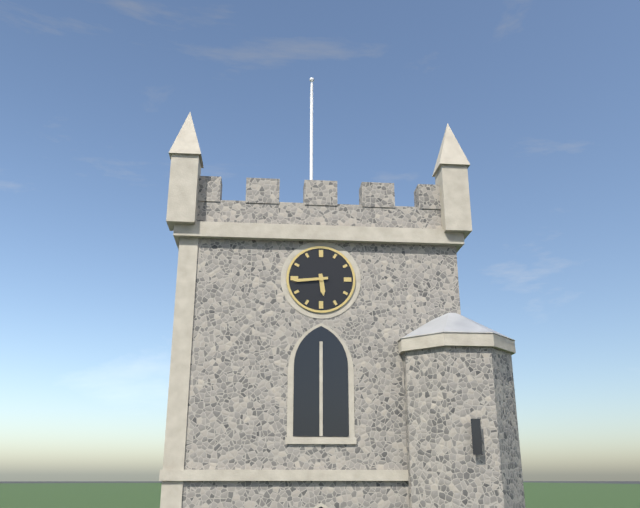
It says 5.44
